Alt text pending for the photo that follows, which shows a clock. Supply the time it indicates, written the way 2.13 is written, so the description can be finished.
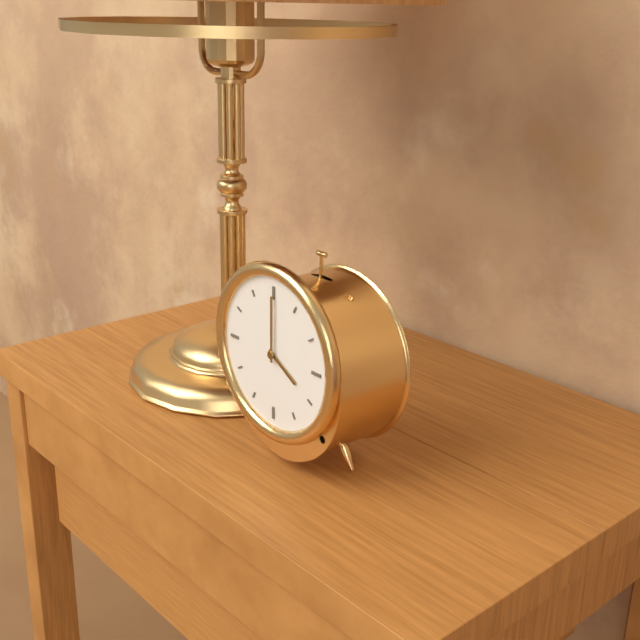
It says 4.00
